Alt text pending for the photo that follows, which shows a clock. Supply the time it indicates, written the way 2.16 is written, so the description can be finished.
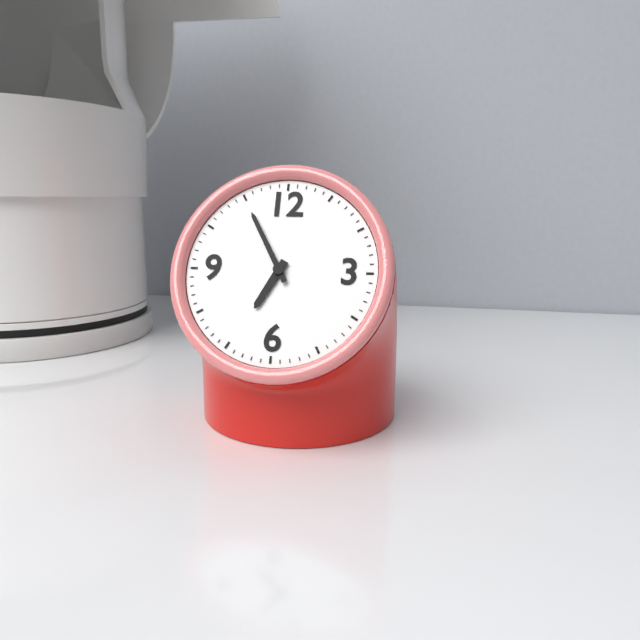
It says 6.55
